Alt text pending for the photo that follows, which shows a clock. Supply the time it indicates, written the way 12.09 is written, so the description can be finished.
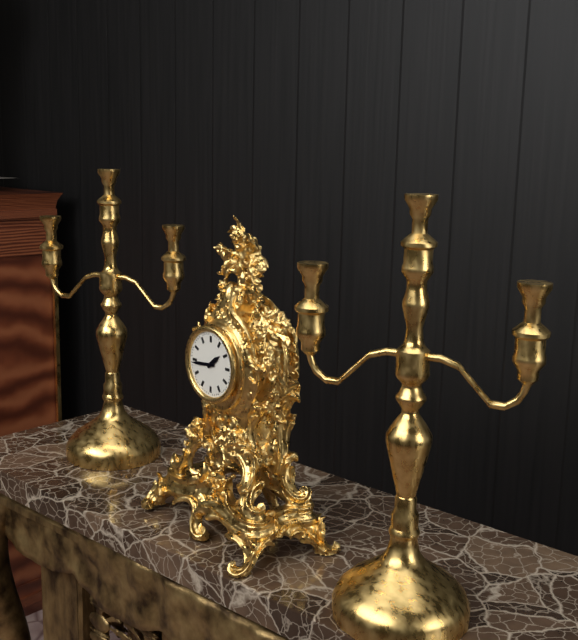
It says 1.44
